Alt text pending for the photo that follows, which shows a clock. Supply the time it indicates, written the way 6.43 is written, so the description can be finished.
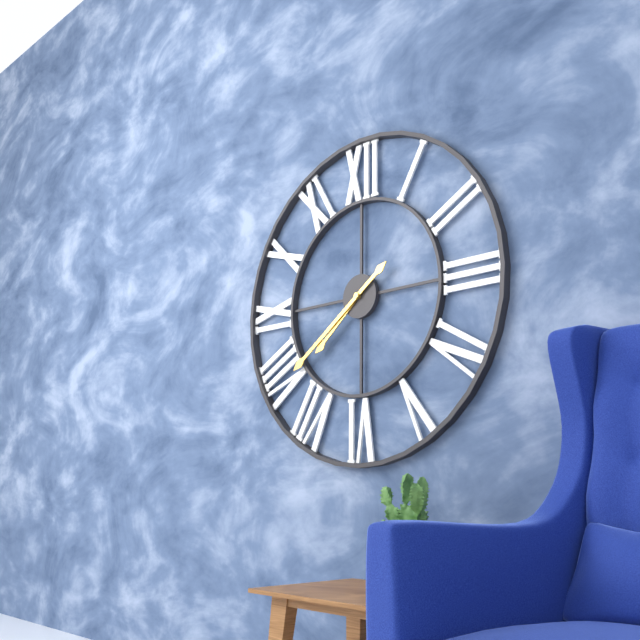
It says 7.39
